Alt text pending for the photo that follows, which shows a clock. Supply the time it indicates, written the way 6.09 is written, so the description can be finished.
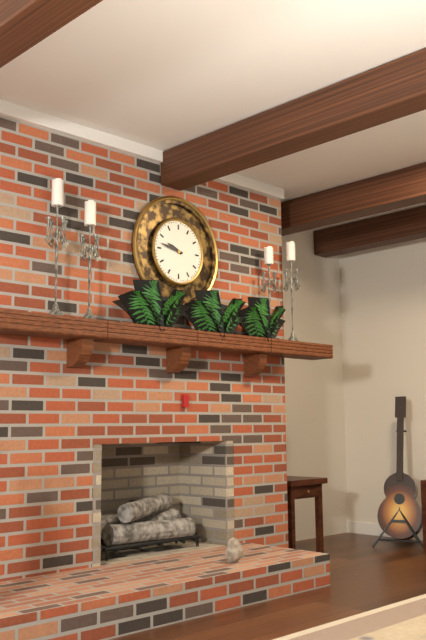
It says 9.47
